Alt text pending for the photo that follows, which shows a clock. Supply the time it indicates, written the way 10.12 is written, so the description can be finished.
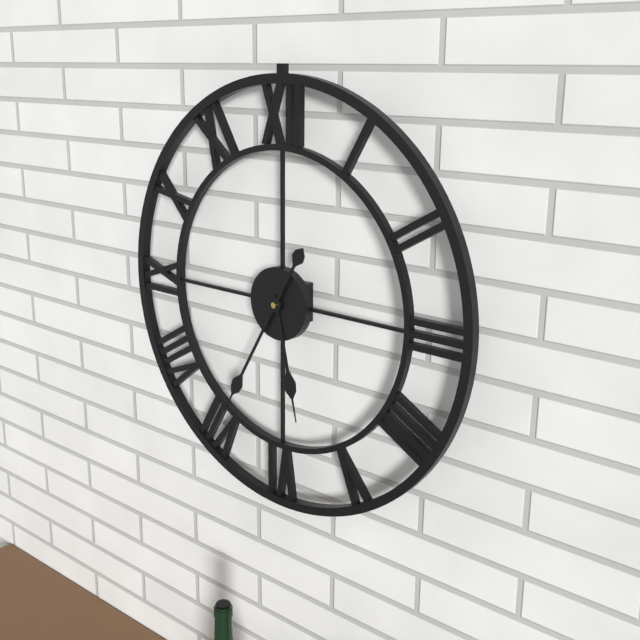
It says 5.35
